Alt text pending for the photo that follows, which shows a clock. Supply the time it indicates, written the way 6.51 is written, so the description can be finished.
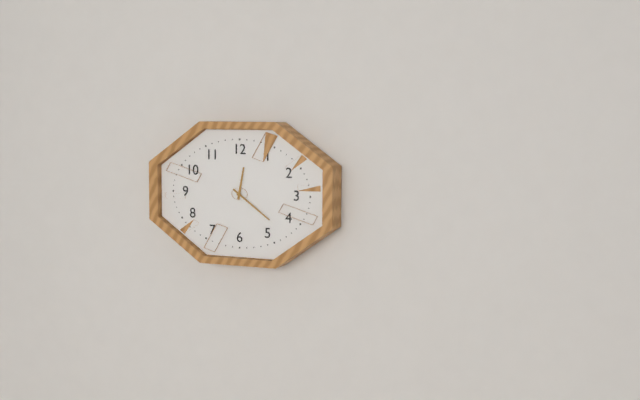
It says 12.21
